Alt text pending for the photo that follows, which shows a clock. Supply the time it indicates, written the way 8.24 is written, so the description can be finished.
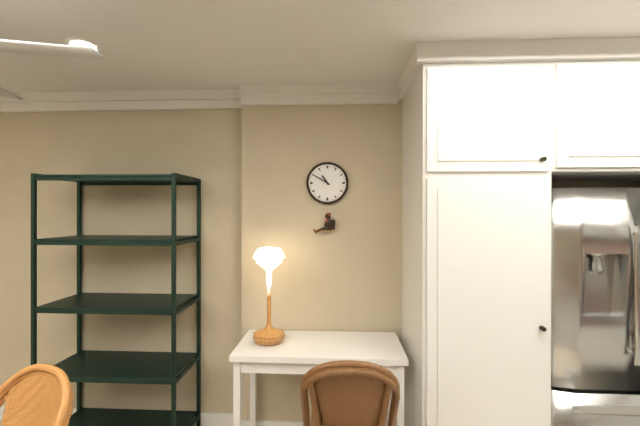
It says 10.50
